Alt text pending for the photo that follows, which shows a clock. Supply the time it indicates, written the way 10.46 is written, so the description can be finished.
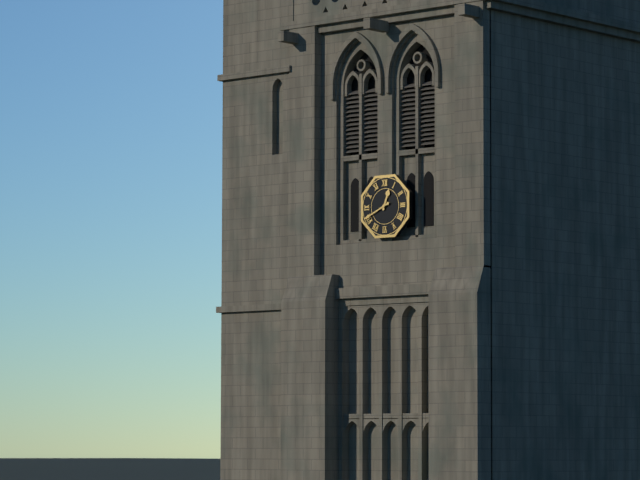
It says 12.41
